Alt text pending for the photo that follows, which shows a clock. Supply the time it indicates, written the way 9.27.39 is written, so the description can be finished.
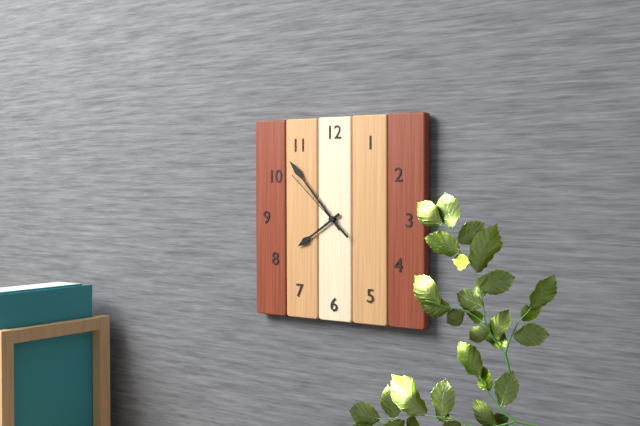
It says 7.53.52
